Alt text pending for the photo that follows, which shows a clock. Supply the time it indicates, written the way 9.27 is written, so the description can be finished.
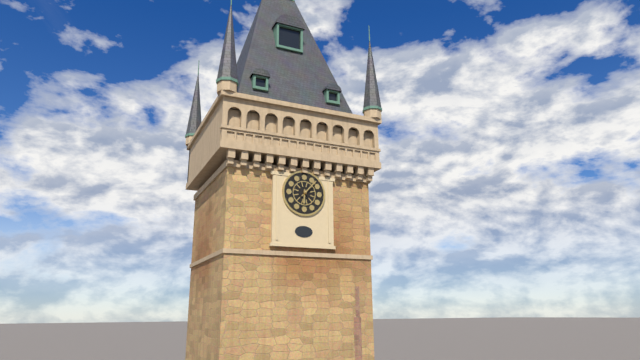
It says 6.07
